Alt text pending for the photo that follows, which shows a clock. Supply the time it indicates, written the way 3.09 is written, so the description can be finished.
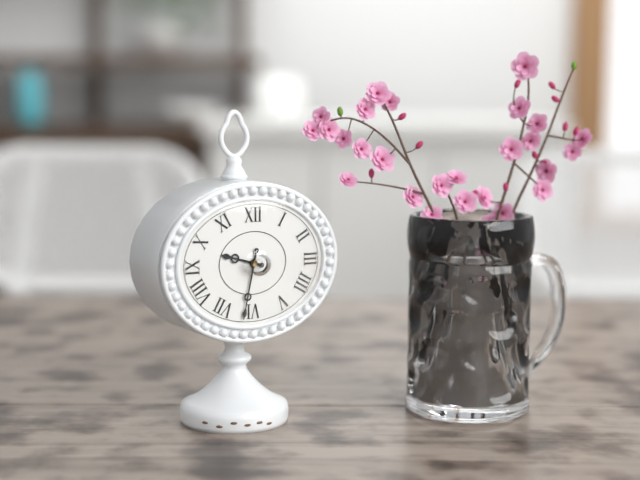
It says 9.32
